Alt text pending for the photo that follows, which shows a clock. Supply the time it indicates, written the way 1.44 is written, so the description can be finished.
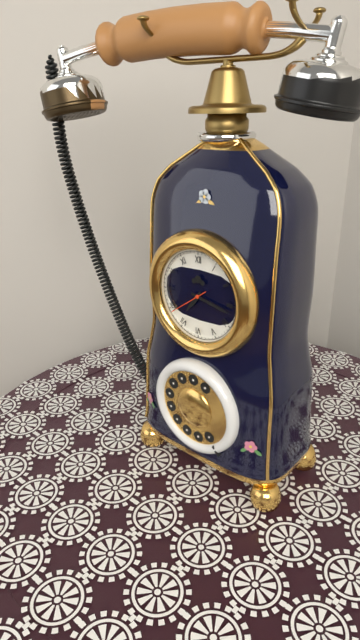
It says 7.17
